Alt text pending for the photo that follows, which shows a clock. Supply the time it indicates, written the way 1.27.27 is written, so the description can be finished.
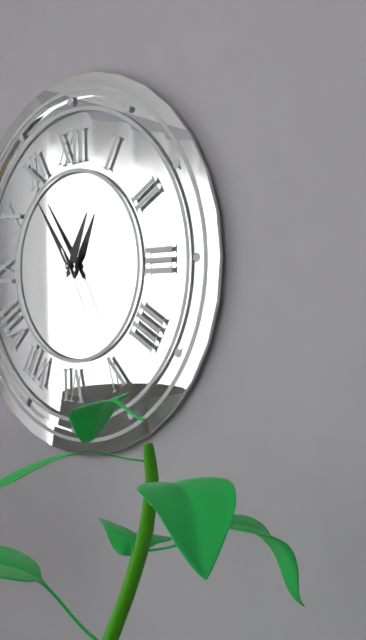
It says 12.54.25
